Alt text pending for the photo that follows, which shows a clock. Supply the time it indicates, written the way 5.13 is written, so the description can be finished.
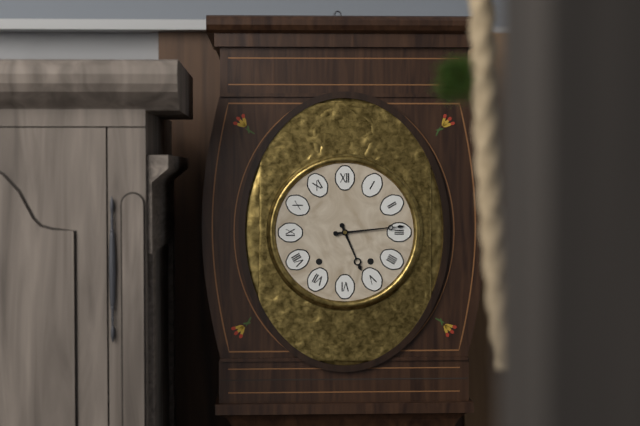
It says 5.14
